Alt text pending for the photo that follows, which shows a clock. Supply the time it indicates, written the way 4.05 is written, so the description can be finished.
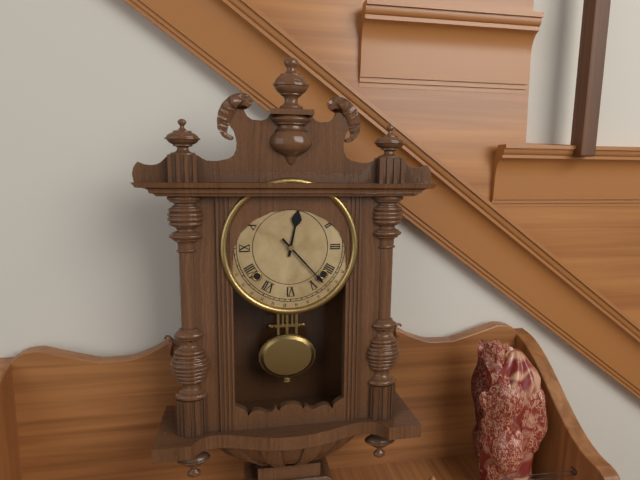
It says 12.23
